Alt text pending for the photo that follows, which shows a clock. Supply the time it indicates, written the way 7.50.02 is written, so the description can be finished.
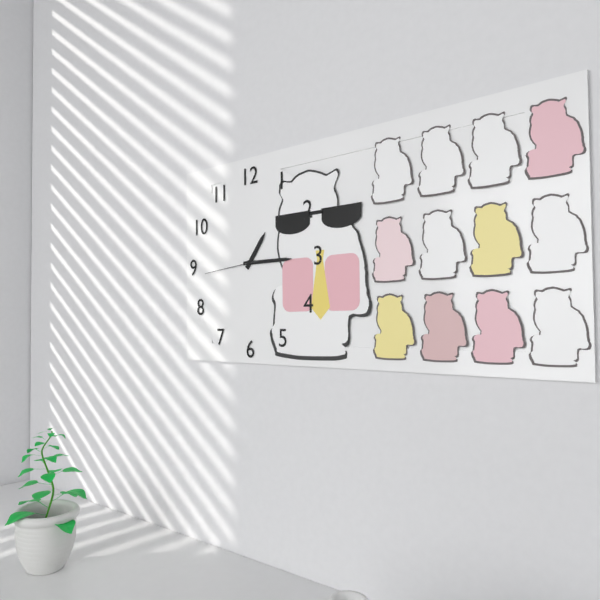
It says 1.15.44
